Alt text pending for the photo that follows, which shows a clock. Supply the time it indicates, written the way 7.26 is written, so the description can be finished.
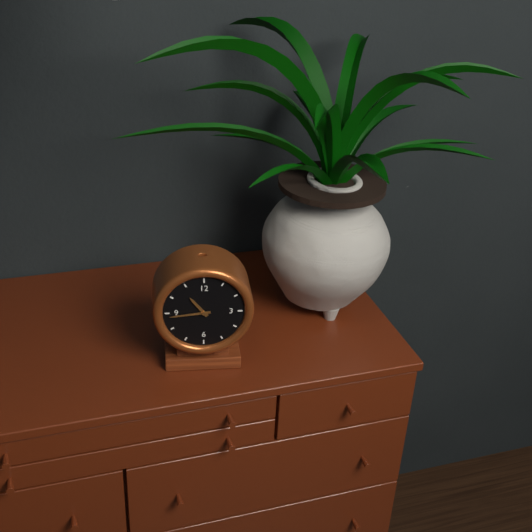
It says 10.44
